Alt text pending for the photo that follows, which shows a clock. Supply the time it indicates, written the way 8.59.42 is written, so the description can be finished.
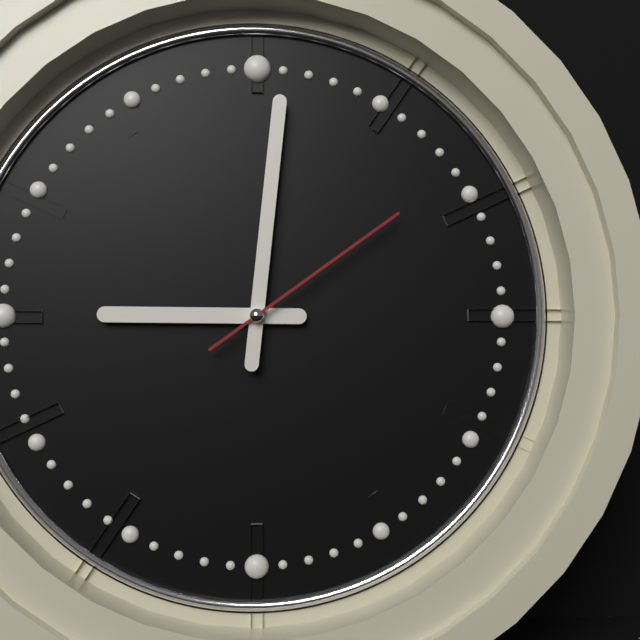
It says 9.01.09
